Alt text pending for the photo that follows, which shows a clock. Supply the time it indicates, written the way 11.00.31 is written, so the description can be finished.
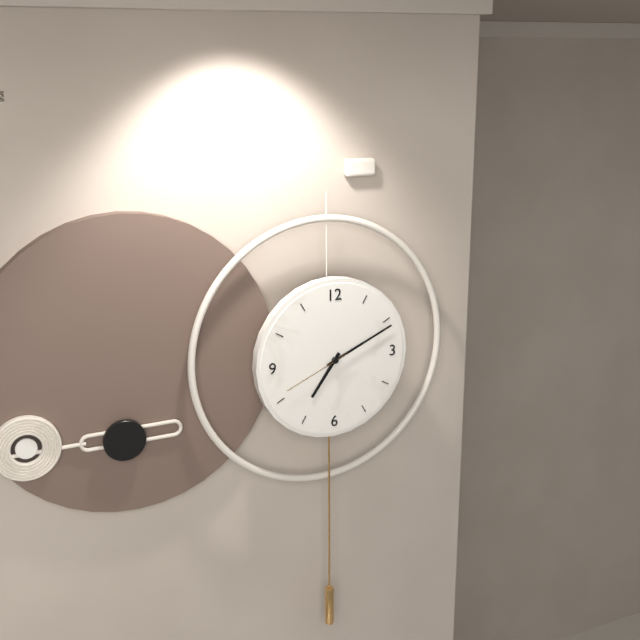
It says 7.11.41
